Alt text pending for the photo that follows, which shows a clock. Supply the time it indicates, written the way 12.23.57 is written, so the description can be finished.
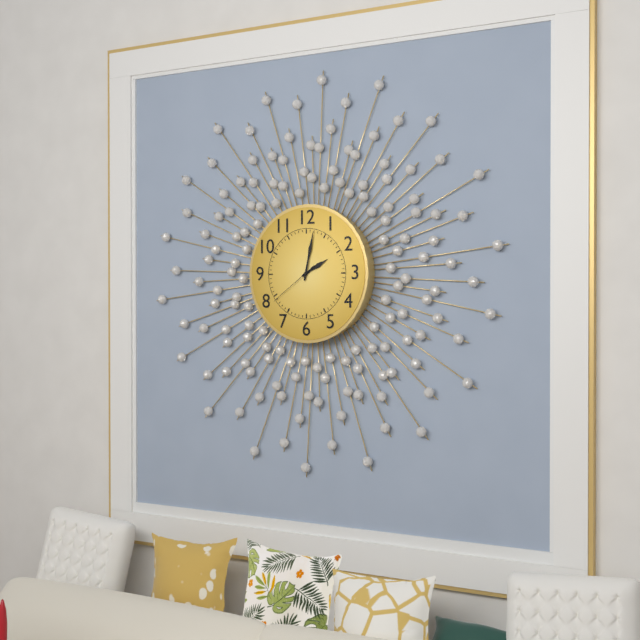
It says 2.02.39
